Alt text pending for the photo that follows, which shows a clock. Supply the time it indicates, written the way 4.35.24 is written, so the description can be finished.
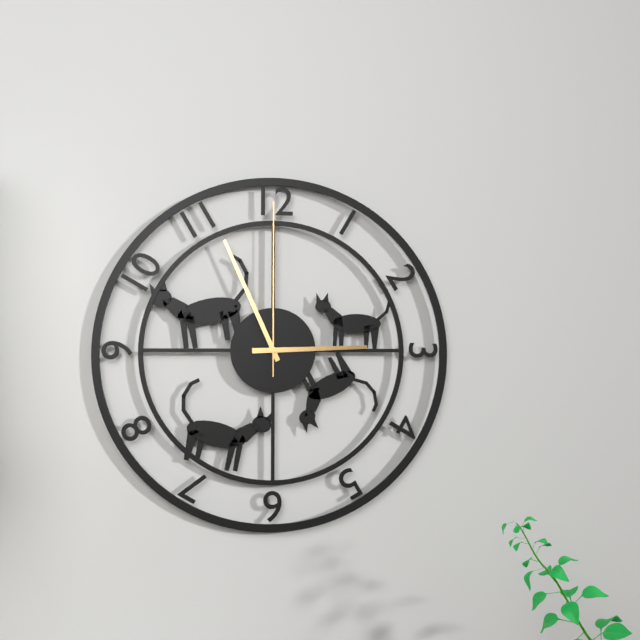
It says 2.56.00
